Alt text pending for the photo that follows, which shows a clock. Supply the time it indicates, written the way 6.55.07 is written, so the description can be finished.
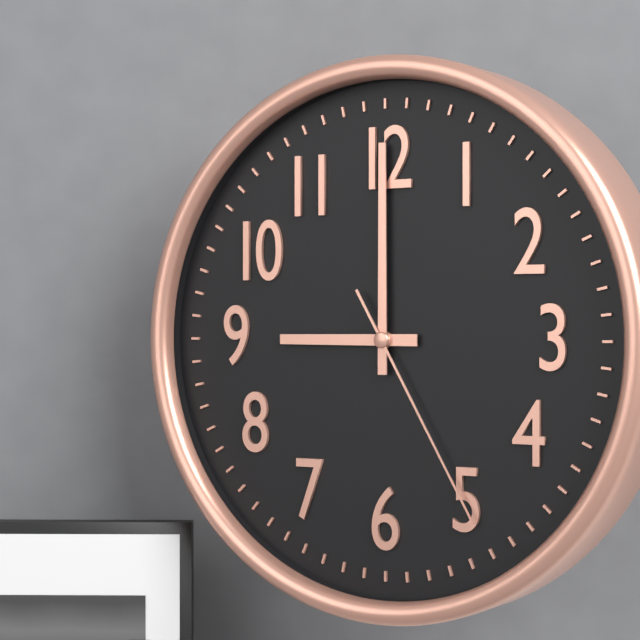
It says 9.00.25
